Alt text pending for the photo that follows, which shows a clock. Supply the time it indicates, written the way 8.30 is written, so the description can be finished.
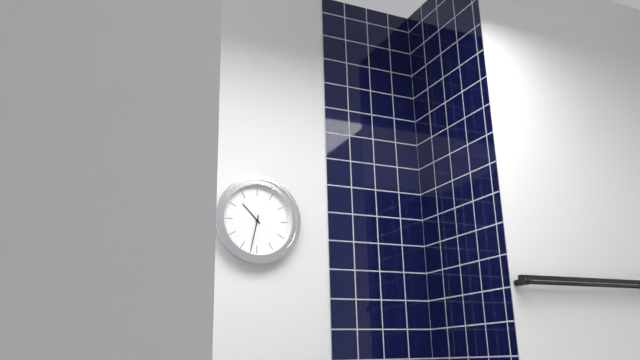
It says 10.32
